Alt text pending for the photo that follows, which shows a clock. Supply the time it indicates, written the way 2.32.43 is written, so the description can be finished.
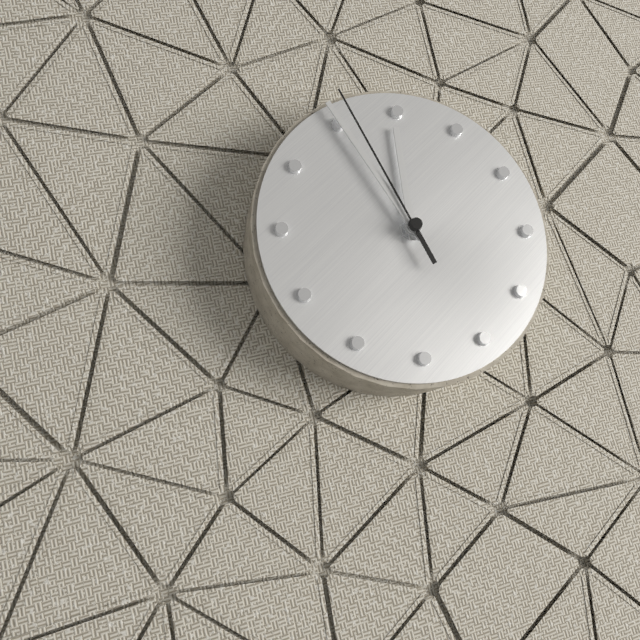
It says 11.55.56
